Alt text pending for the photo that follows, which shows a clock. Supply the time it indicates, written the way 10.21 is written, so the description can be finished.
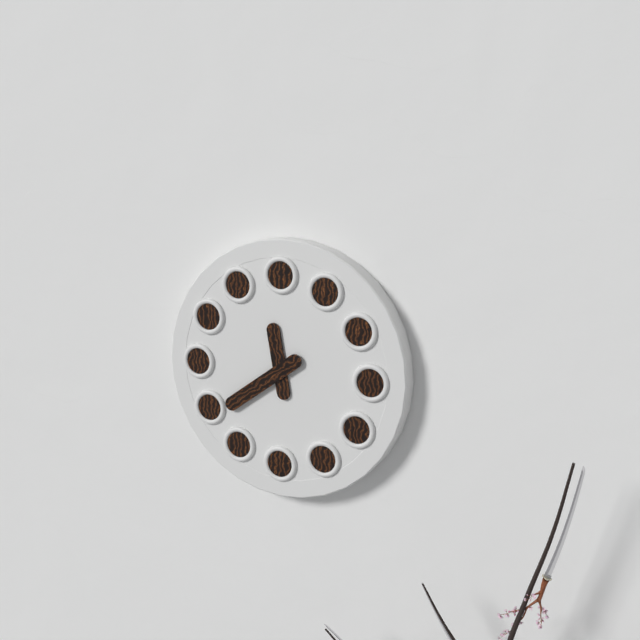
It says 11.39
